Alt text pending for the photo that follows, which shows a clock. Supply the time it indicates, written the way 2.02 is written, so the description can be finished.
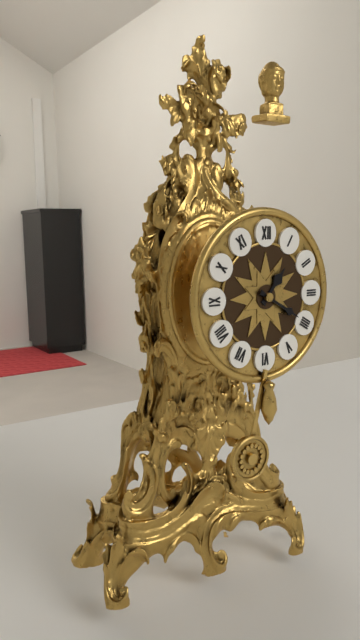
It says 1.20
